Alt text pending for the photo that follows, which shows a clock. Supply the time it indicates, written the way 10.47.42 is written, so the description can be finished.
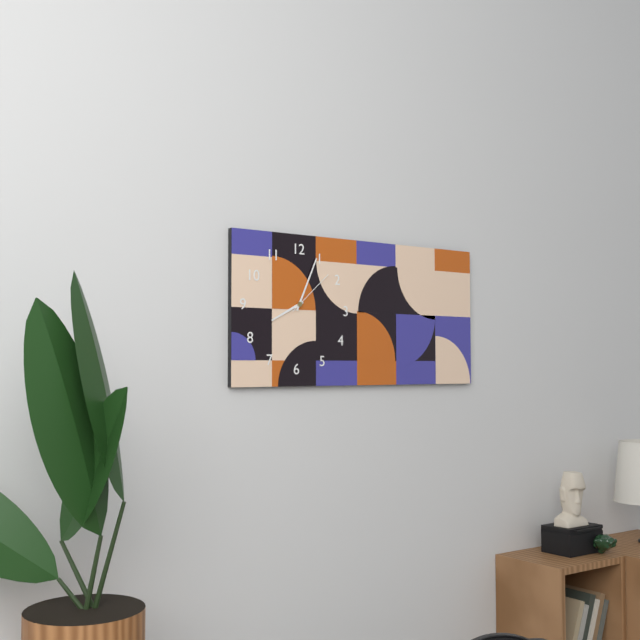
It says 8.04.08
